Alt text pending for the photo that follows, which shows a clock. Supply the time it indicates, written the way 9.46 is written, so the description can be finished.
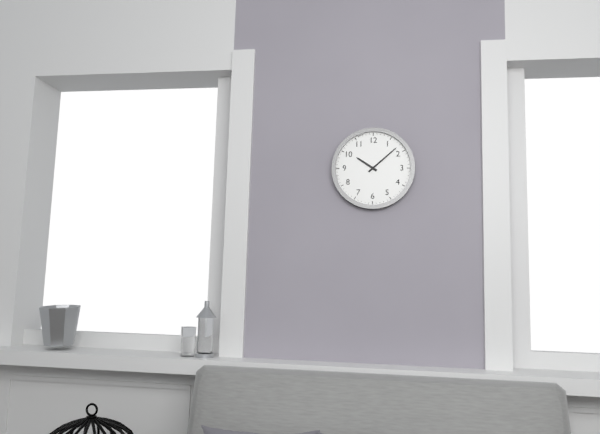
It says 10.08
